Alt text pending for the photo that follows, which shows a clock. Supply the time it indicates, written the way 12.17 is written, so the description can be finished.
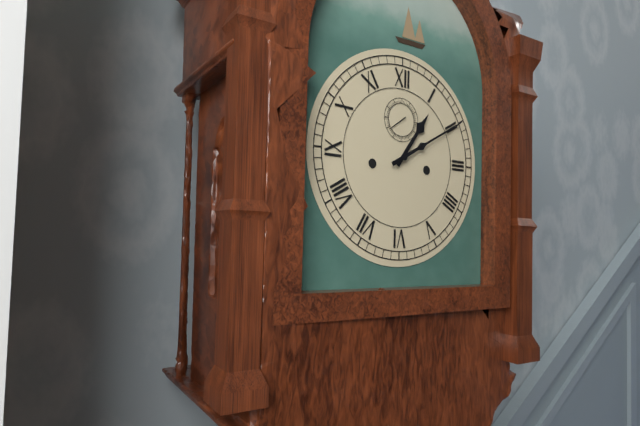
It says 1.10
